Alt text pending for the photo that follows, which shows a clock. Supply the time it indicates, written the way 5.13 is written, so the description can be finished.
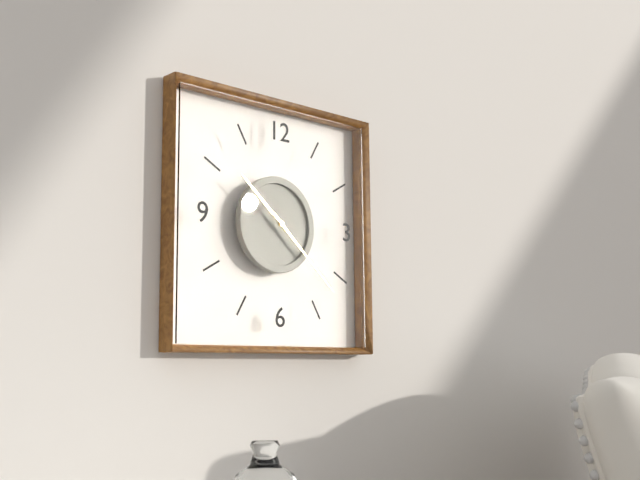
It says 10.22
